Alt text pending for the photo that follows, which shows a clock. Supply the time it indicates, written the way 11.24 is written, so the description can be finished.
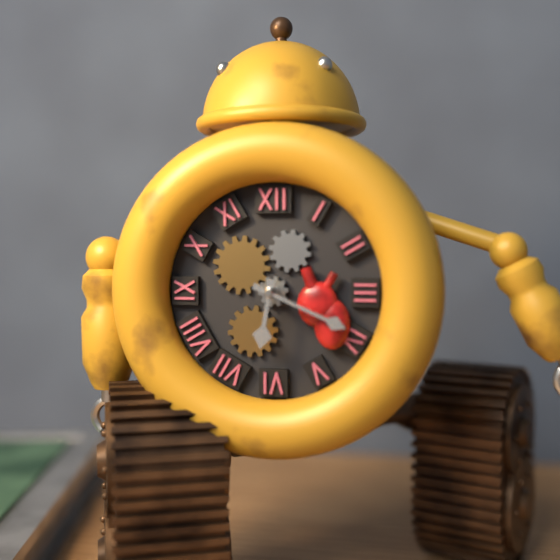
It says 6.19
